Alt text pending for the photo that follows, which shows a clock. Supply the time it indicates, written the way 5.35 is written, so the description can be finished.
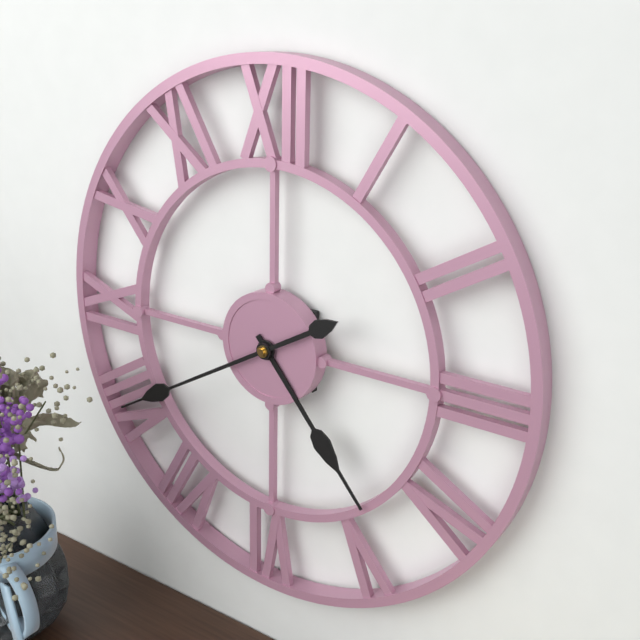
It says 4.40
